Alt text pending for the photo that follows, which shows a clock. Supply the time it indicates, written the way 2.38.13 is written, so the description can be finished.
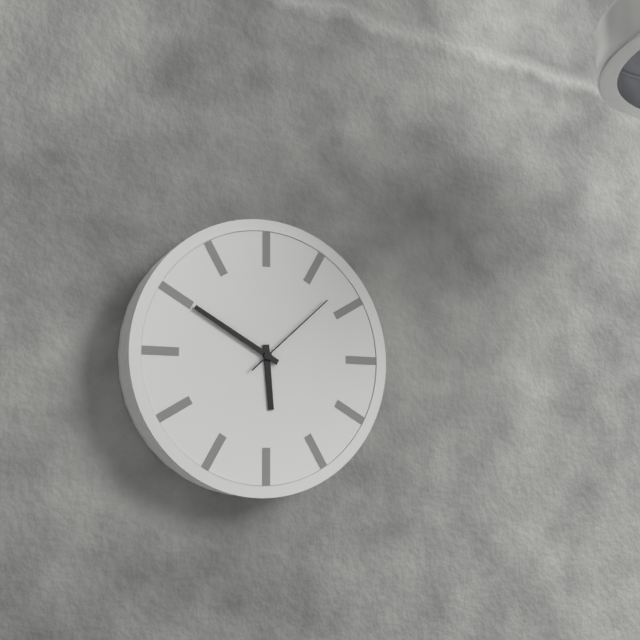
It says 5.50.08
